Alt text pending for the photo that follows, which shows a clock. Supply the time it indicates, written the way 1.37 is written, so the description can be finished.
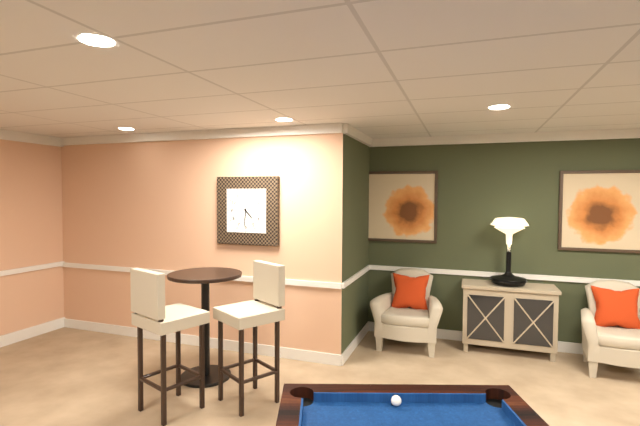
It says 4.31
